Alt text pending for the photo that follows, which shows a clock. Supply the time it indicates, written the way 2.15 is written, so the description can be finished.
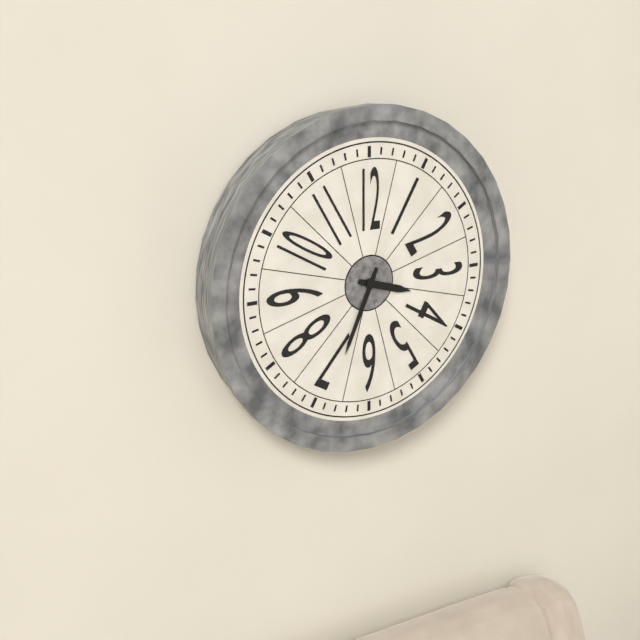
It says 3.34
